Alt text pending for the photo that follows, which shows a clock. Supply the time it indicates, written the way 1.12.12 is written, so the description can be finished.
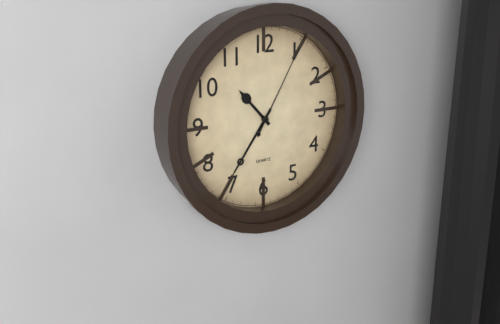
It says 10.36.05
